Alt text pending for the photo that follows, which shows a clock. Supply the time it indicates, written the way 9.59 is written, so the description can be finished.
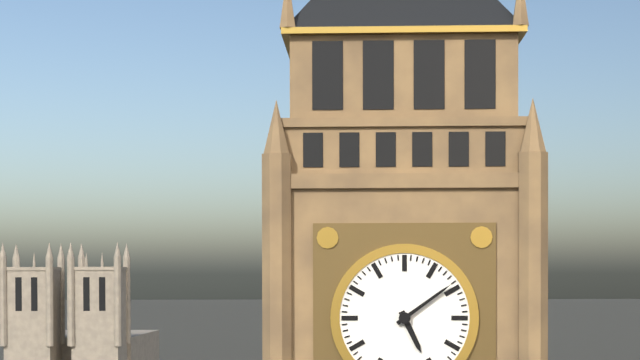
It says 5.09
